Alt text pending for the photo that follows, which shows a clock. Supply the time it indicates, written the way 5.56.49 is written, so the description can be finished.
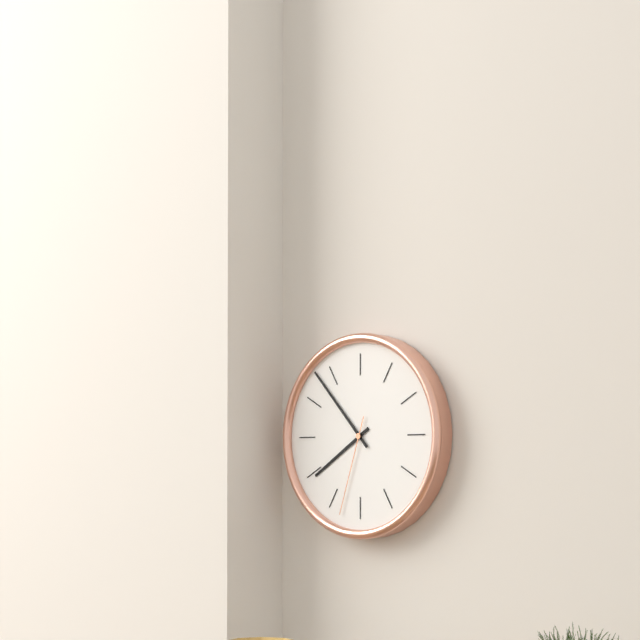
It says 7.53.33
